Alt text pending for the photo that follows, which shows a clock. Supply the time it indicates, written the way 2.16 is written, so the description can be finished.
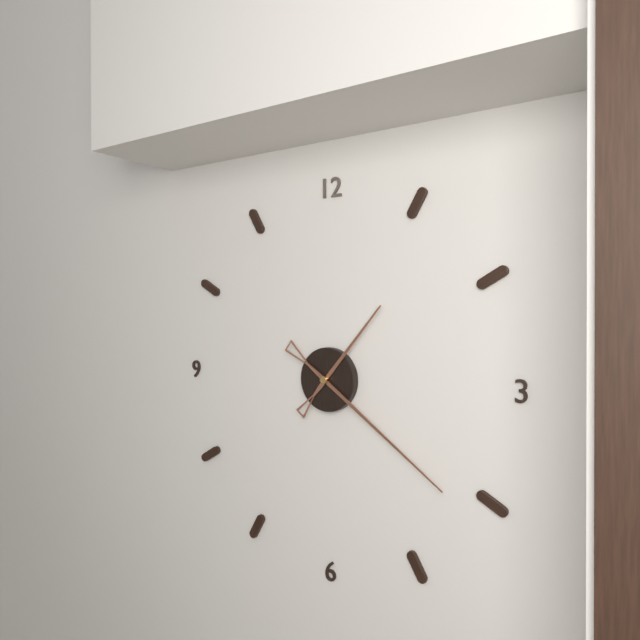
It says 1.21
